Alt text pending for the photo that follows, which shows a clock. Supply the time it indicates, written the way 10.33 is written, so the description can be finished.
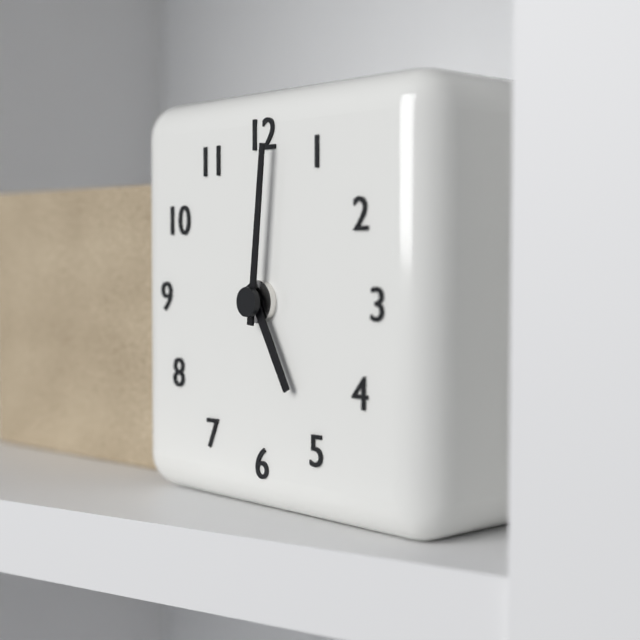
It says 5.01
